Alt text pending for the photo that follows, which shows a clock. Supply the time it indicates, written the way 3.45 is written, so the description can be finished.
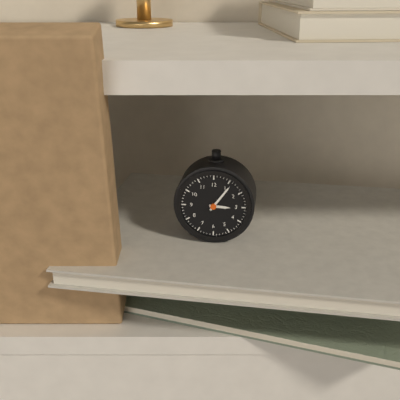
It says 3.06
